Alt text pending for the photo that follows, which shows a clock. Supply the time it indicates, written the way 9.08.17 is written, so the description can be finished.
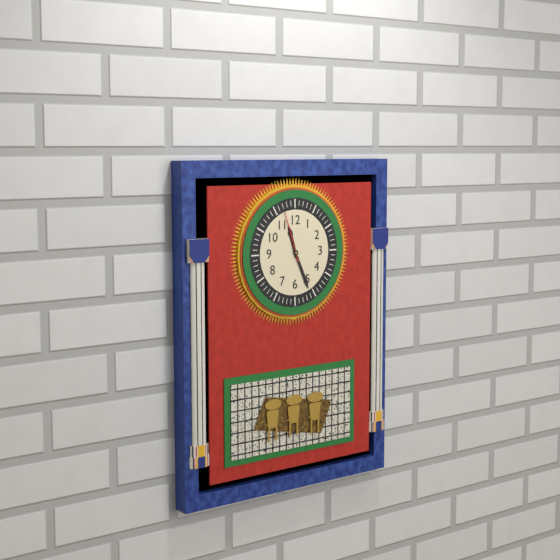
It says 11.26.57
